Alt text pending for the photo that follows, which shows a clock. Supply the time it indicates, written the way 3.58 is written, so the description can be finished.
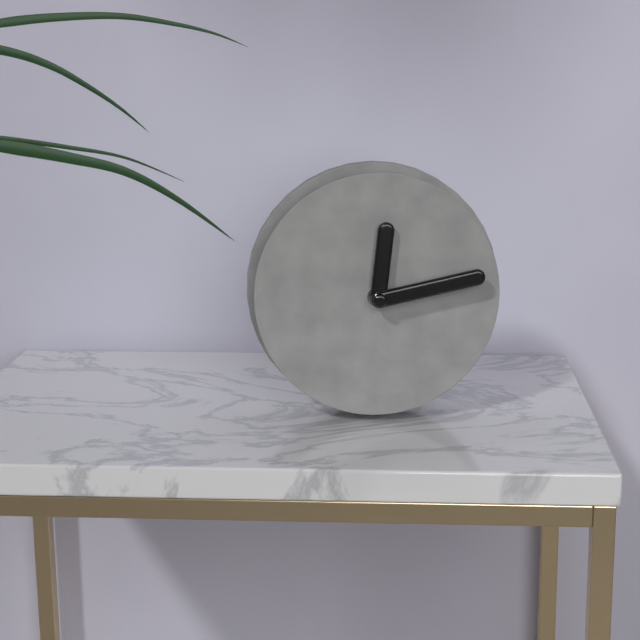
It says 12.13
